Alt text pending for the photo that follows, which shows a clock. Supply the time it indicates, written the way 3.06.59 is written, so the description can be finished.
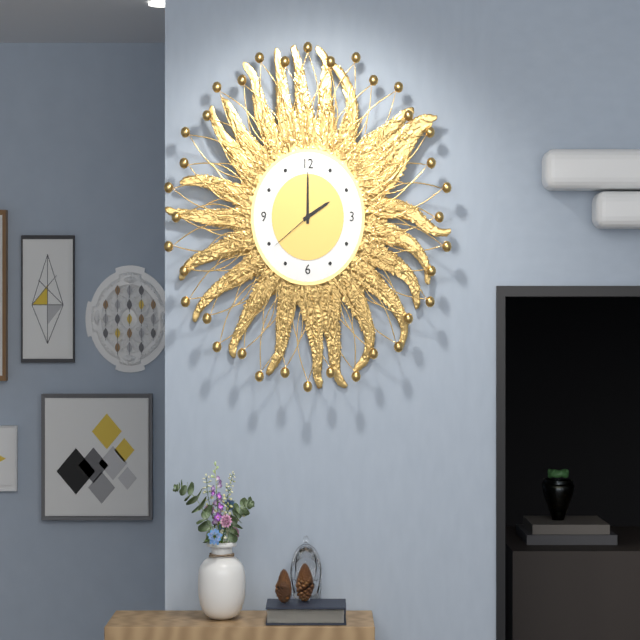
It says 2.00.39
